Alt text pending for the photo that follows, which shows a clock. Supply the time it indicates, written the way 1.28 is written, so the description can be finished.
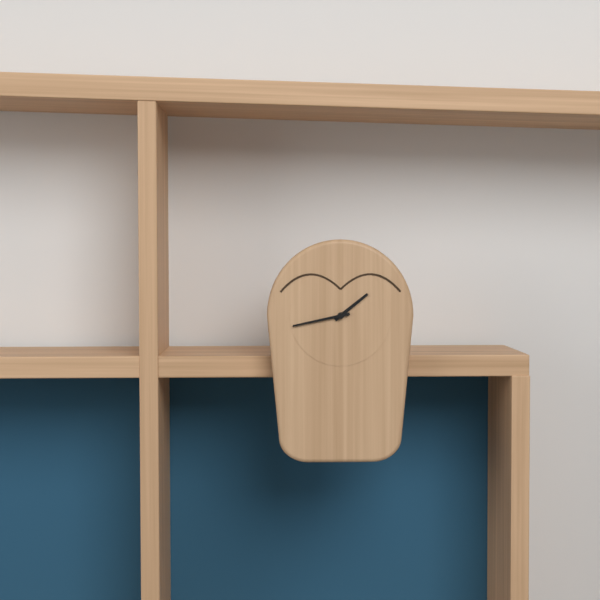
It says 1.43
